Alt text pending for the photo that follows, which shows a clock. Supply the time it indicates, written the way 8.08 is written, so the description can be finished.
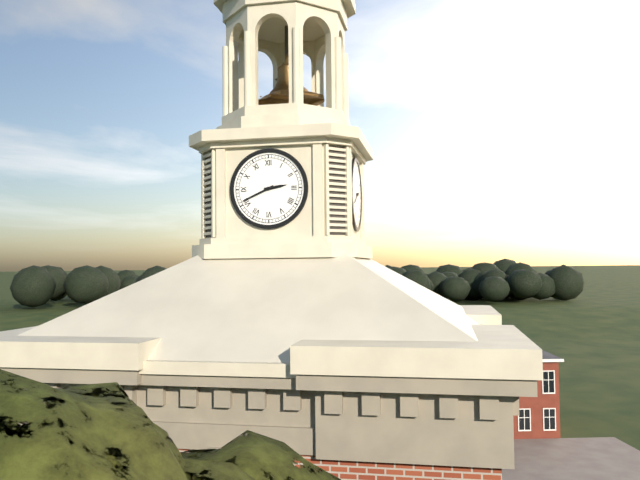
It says 2.41
